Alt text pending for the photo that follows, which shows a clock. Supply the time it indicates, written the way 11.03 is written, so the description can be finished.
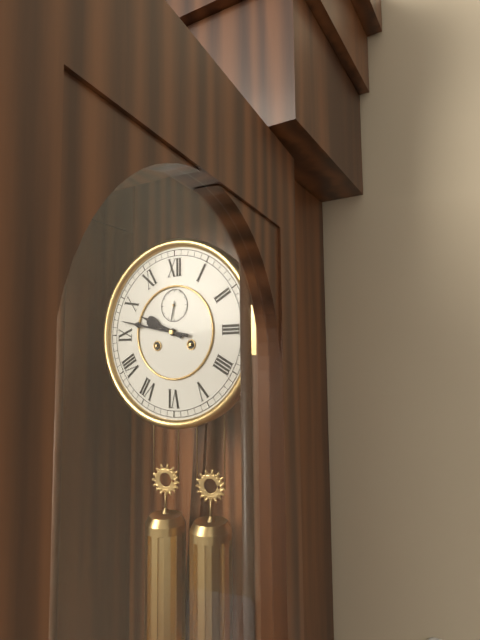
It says 9.47
